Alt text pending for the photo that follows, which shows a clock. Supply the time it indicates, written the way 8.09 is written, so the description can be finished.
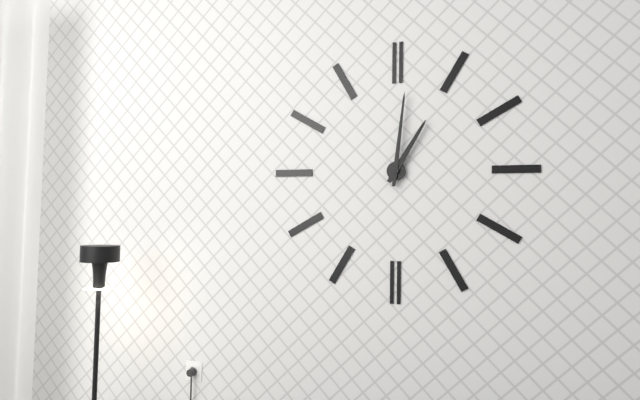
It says 1.01
